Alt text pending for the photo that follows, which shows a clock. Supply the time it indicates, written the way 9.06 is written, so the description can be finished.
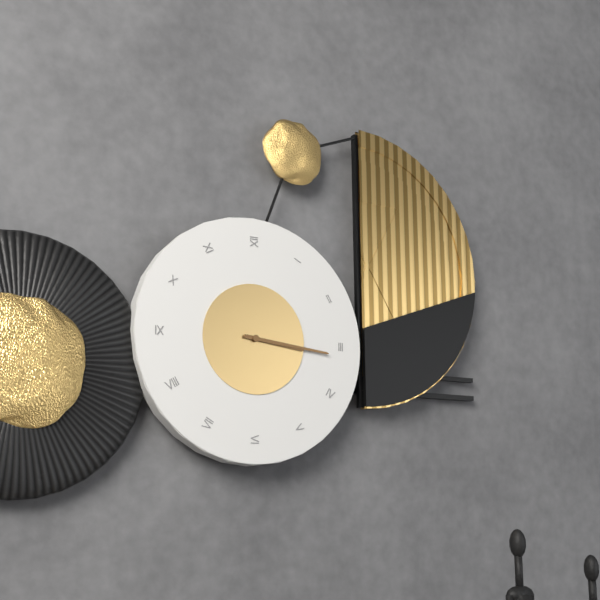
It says 3.16
